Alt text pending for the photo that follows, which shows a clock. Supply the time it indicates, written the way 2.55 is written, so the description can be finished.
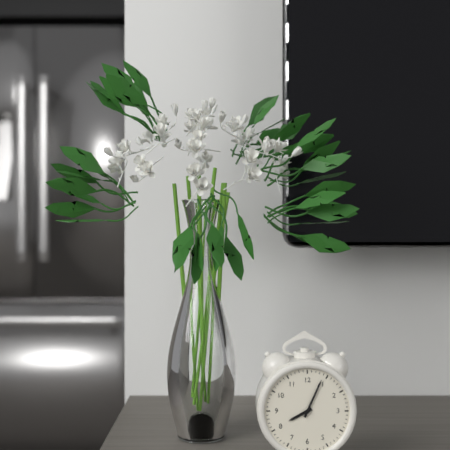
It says 8.04
